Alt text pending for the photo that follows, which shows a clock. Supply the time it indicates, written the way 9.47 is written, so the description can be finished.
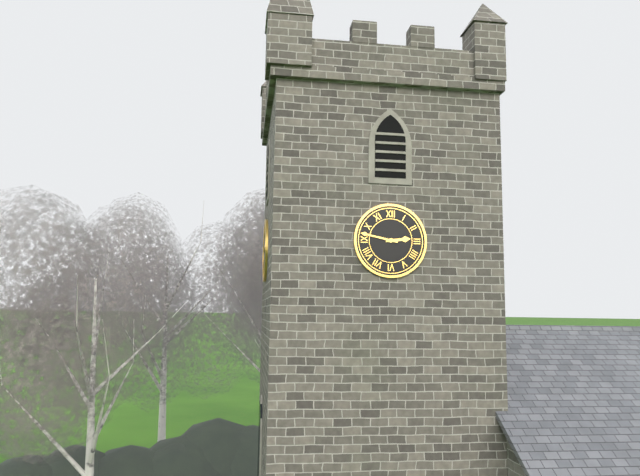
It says 2.47
